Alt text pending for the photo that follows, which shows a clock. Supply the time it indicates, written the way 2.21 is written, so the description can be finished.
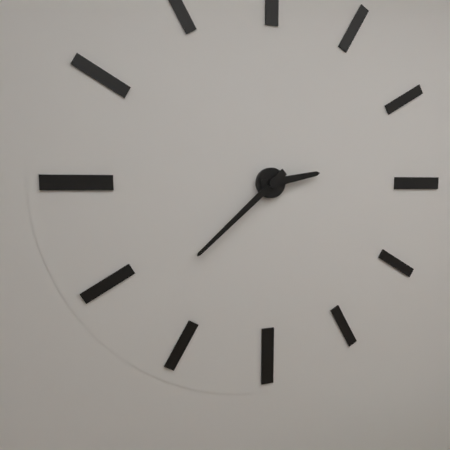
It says 2.38
